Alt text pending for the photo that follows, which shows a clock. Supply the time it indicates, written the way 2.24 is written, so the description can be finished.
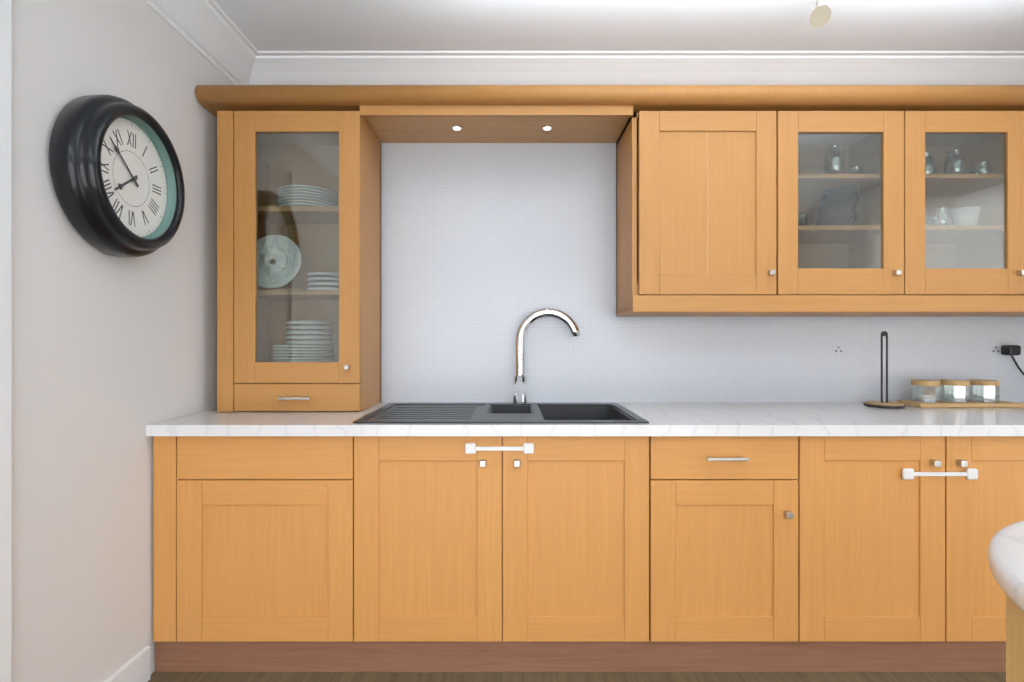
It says 7.52
